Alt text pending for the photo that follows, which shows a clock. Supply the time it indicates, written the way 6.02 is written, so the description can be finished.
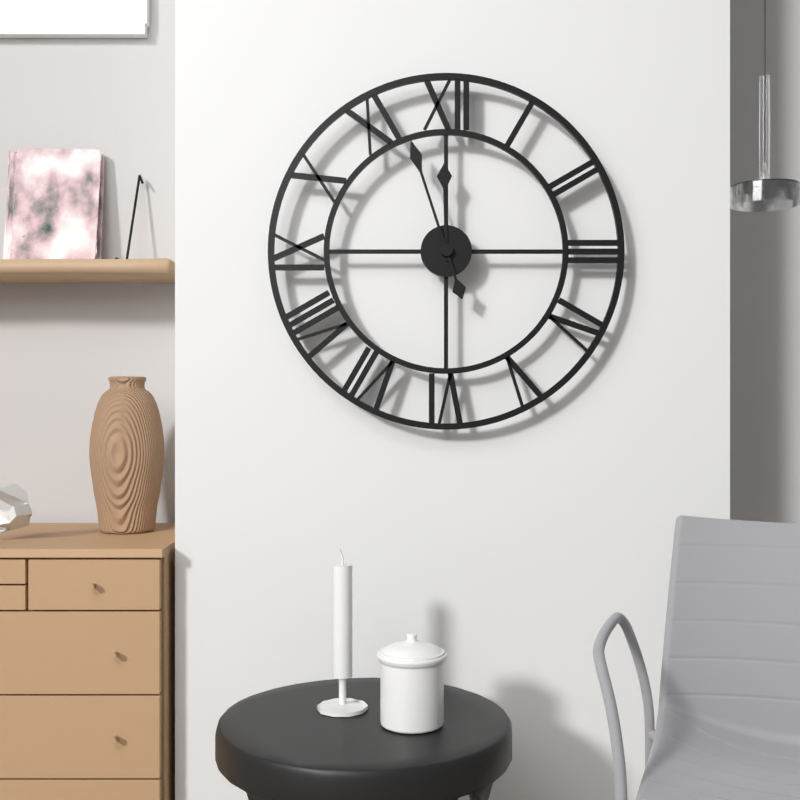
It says 11.57
